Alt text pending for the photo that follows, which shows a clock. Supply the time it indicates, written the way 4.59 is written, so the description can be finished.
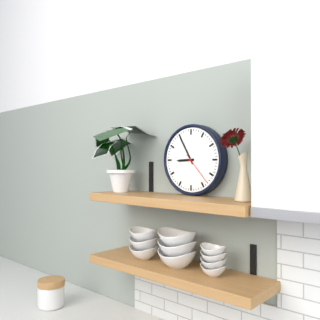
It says 8.55
